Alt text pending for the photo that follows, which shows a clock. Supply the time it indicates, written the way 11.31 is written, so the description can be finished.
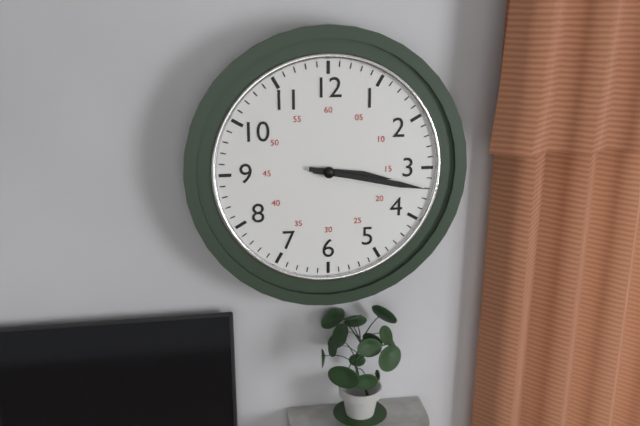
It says 3.17
